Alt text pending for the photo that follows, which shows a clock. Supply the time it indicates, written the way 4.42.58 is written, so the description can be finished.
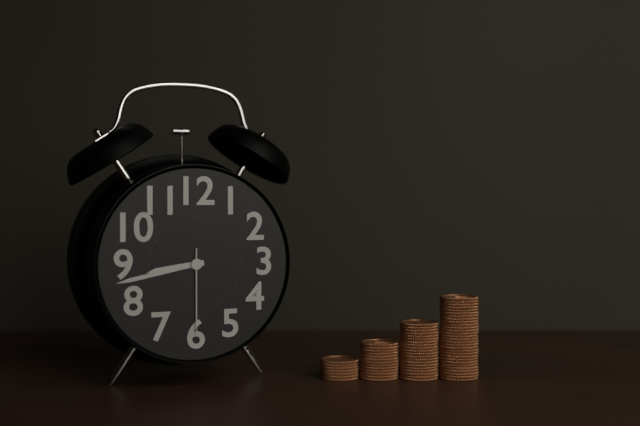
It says 8.43.30
